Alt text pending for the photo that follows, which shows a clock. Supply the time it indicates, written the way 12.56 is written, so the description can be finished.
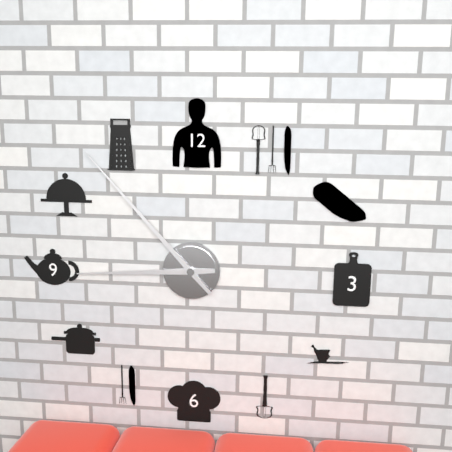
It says 8.53
